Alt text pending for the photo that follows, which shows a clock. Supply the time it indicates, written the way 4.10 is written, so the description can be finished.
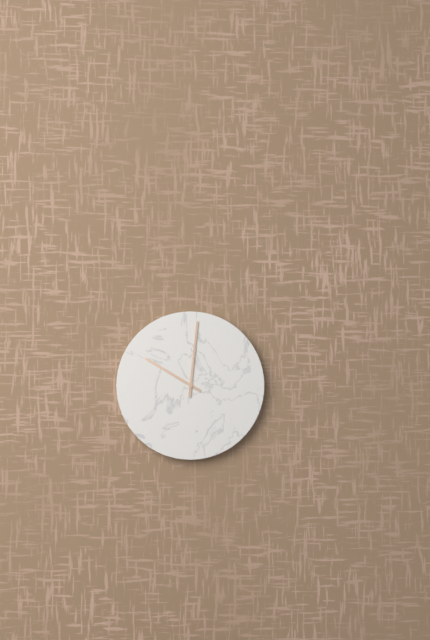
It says 10.01
